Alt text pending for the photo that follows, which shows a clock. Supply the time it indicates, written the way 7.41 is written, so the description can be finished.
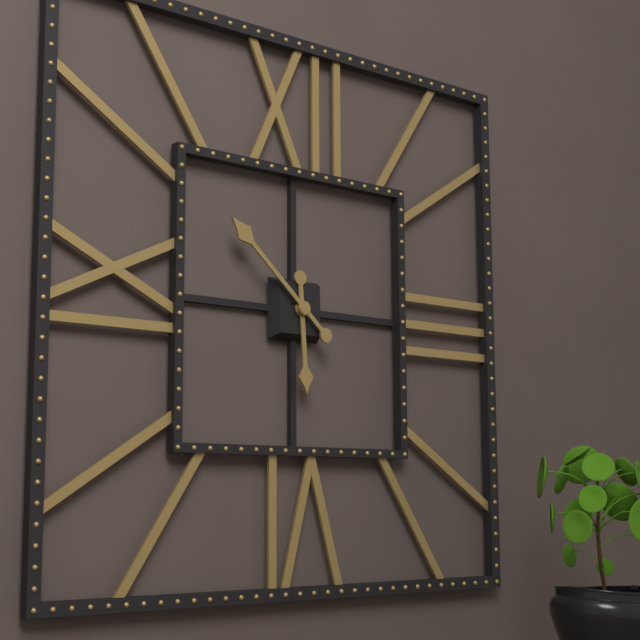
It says 5.52
